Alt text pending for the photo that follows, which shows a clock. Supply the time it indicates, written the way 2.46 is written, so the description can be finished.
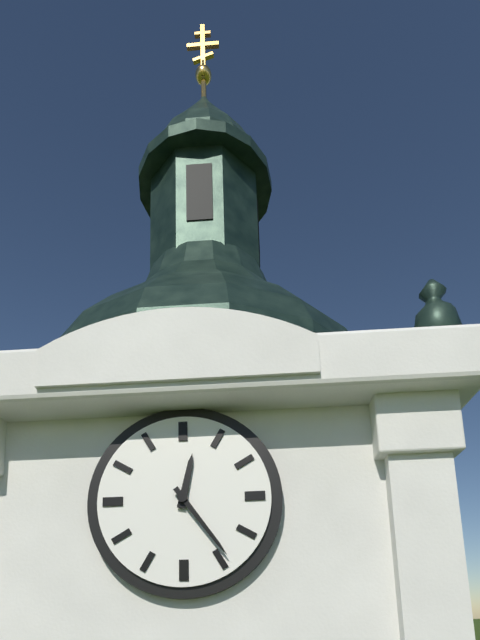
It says 12.24
